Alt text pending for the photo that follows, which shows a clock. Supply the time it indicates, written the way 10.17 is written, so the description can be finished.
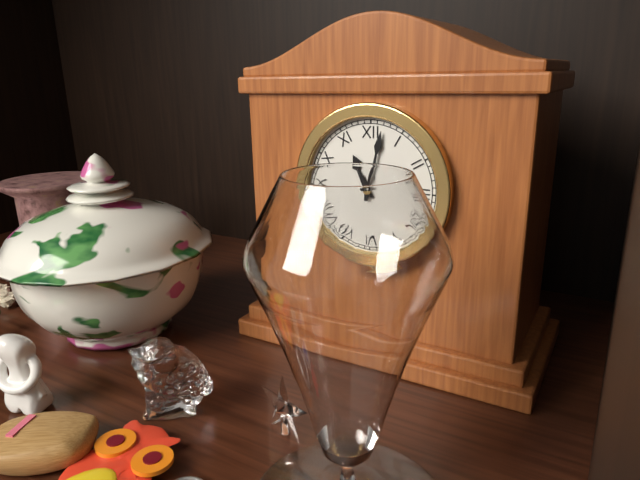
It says 11.02
